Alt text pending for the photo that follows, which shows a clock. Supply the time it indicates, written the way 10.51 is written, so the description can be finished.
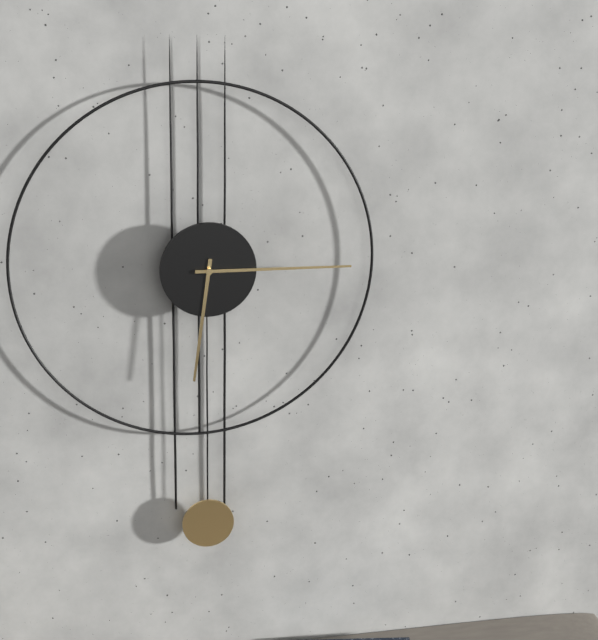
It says 6.15
